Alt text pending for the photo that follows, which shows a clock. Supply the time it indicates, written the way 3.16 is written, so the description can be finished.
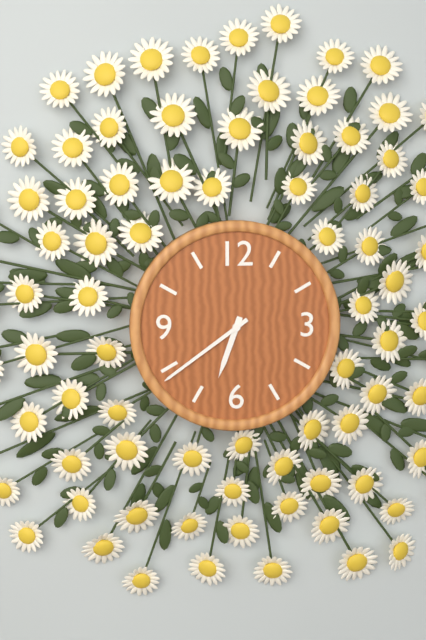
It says 6.39
